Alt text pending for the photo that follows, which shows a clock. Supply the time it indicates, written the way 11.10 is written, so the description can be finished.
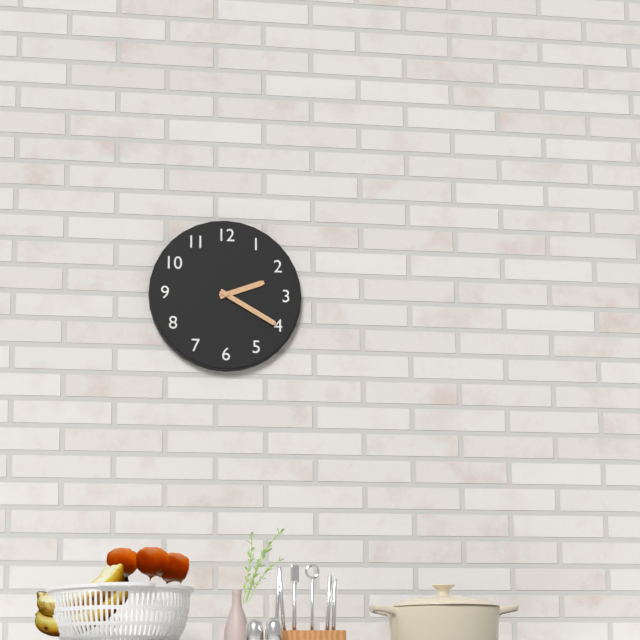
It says 2.20
